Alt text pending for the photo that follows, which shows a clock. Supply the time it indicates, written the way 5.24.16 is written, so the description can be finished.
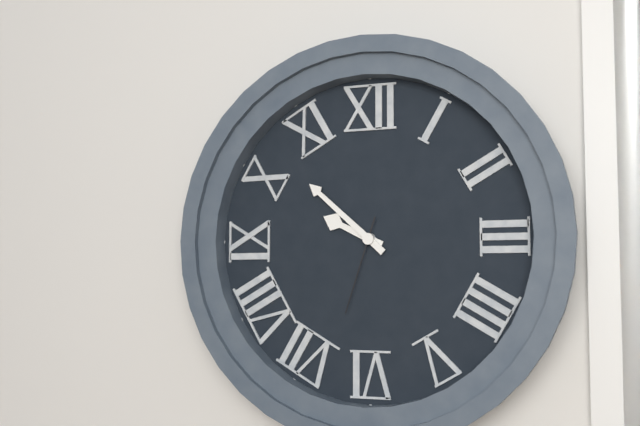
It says 9.52.33
